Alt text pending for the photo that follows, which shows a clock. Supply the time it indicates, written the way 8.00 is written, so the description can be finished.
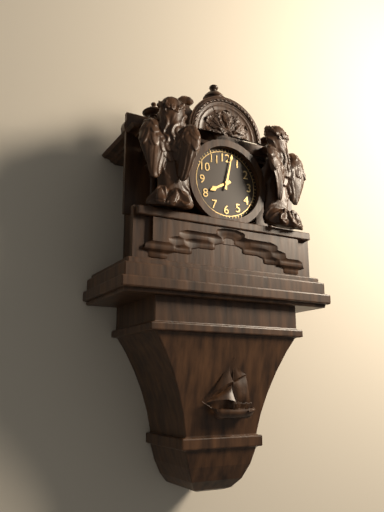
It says 8.02
